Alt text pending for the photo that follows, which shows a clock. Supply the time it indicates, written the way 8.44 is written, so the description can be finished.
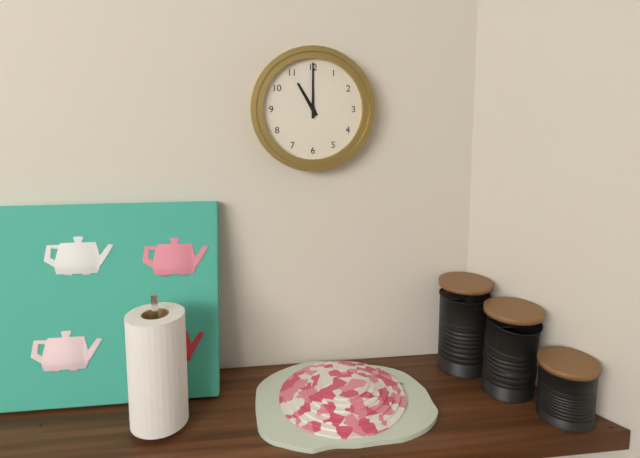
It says 11.00
